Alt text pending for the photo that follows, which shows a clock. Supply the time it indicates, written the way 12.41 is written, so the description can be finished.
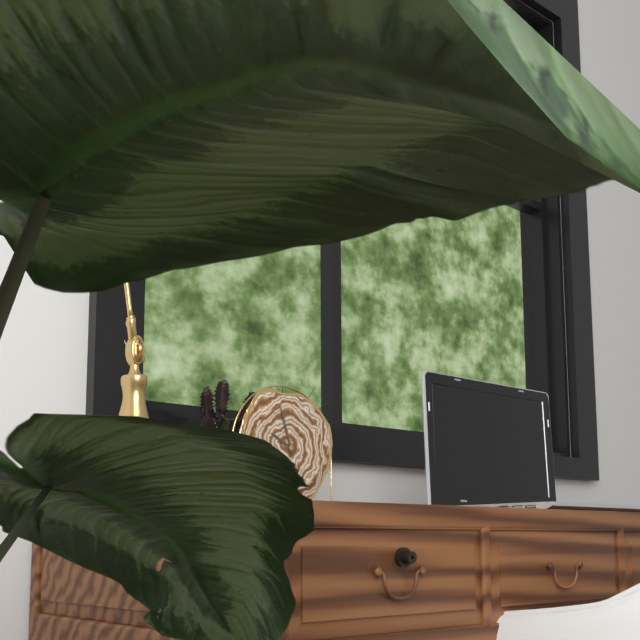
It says 9.57
